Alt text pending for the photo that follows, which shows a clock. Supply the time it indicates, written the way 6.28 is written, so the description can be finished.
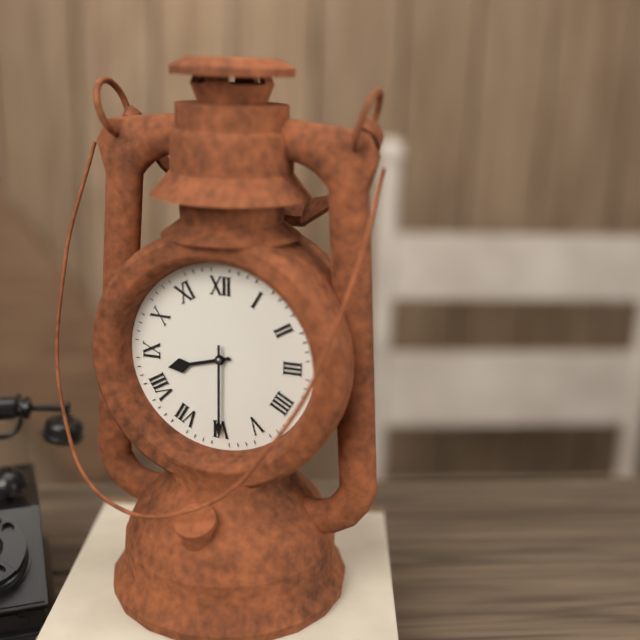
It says 8.30
